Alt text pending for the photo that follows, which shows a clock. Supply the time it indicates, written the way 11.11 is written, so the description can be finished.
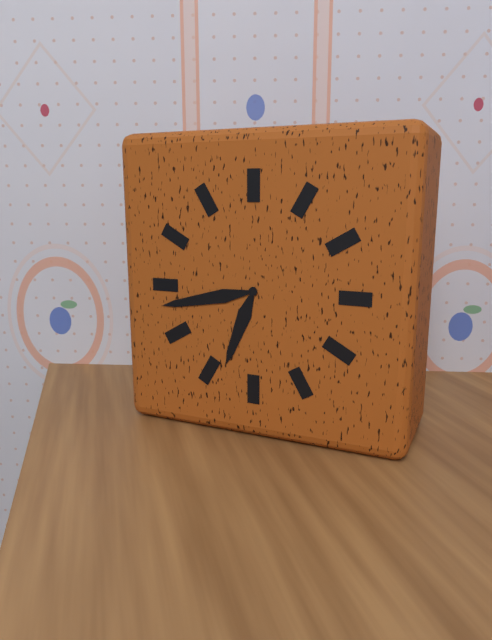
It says 6.43
